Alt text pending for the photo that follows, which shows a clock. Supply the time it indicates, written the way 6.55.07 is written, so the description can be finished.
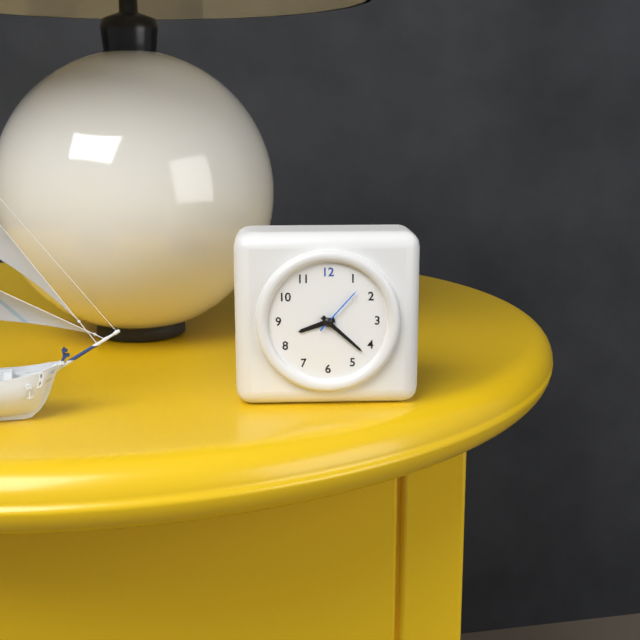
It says 8.22.07
